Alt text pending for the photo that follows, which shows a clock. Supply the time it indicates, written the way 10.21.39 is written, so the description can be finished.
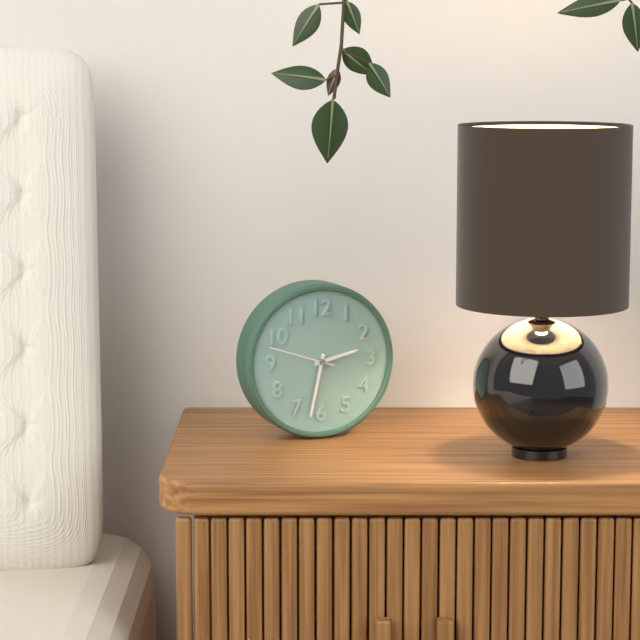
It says 2.32.48
